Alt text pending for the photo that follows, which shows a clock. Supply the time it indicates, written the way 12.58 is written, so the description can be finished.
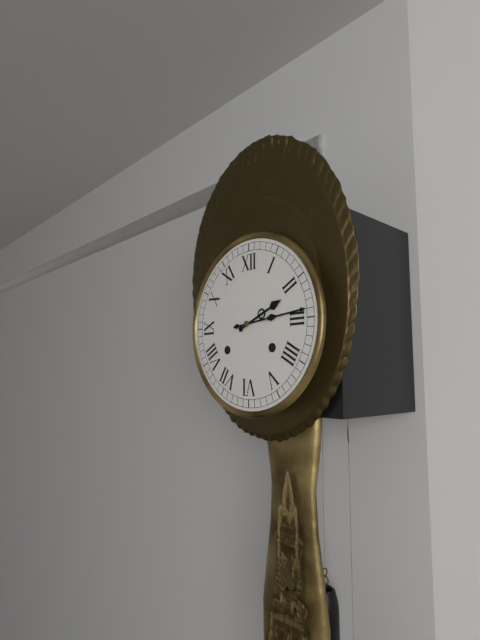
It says 2.14
